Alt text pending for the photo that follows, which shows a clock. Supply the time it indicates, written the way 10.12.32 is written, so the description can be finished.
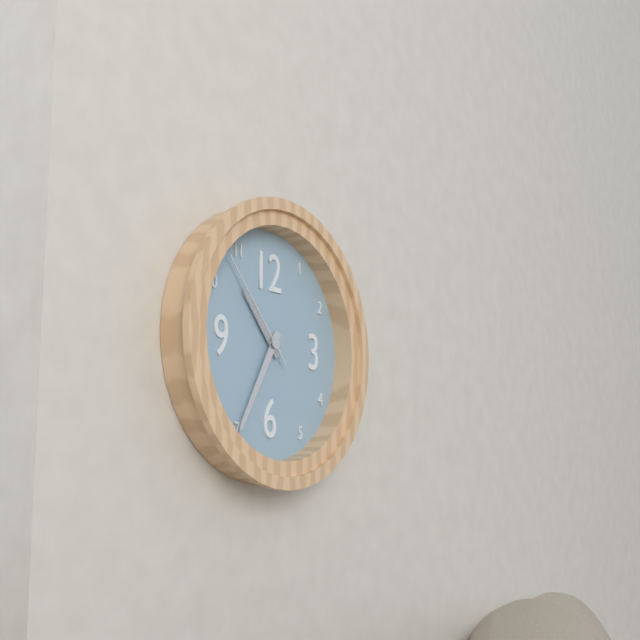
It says 10.35.53
